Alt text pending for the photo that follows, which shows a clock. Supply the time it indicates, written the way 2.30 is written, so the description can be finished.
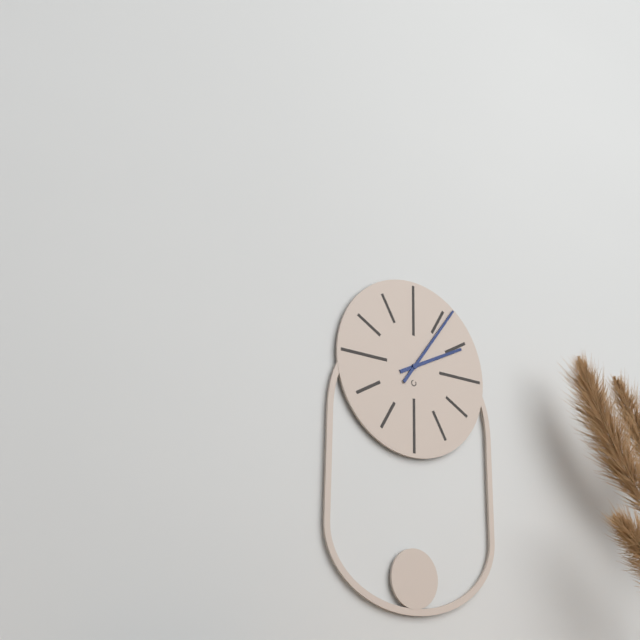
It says 2.06
